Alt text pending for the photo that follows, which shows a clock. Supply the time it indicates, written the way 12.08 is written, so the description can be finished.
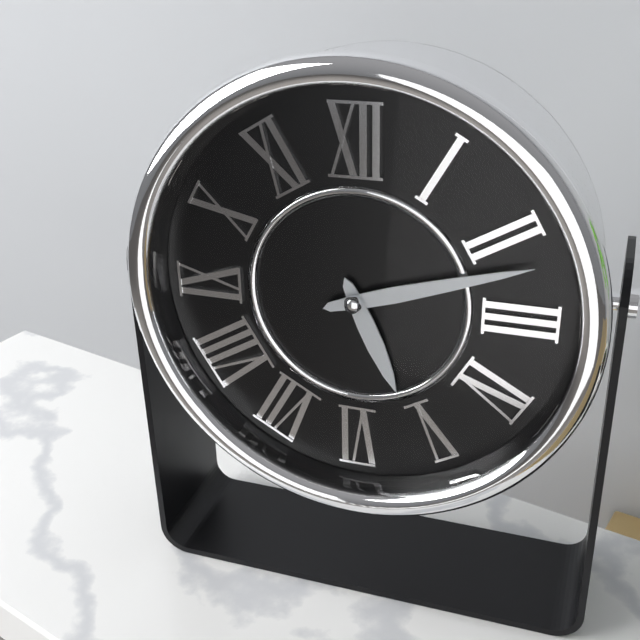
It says 5.12
